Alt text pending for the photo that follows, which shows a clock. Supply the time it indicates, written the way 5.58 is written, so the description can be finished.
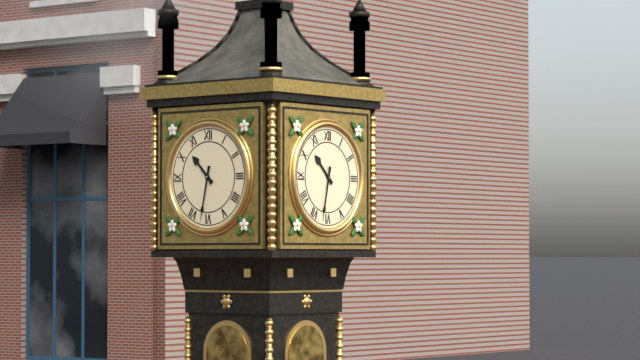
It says 10.32
